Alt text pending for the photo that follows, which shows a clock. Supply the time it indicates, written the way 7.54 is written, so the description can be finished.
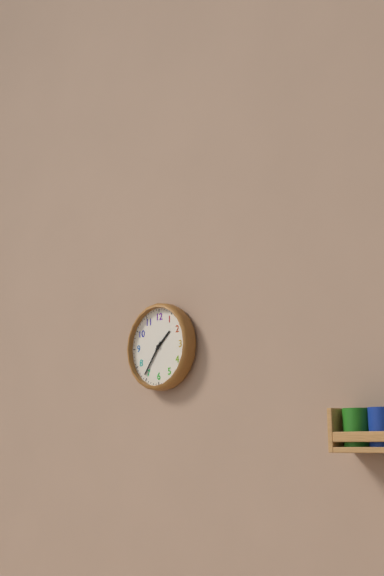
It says 1.36
